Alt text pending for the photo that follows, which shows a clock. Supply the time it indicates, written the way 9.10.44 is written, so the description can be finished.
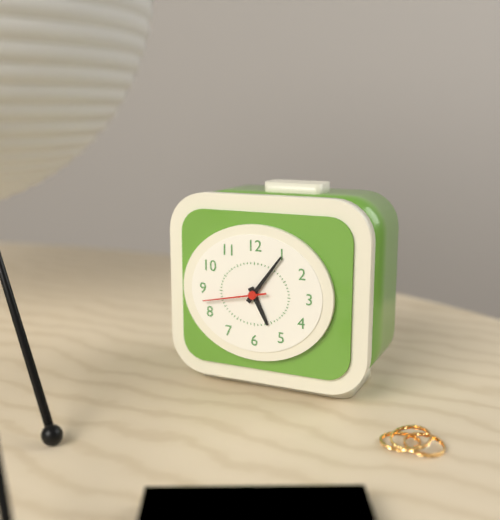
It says 5.06.43
